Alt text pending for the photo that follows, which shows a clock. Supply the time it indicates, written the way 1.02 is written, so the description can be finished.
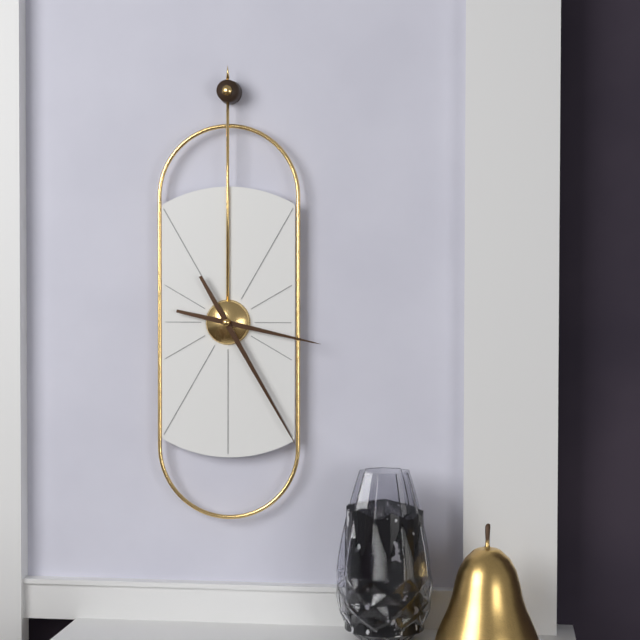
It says 3.25
